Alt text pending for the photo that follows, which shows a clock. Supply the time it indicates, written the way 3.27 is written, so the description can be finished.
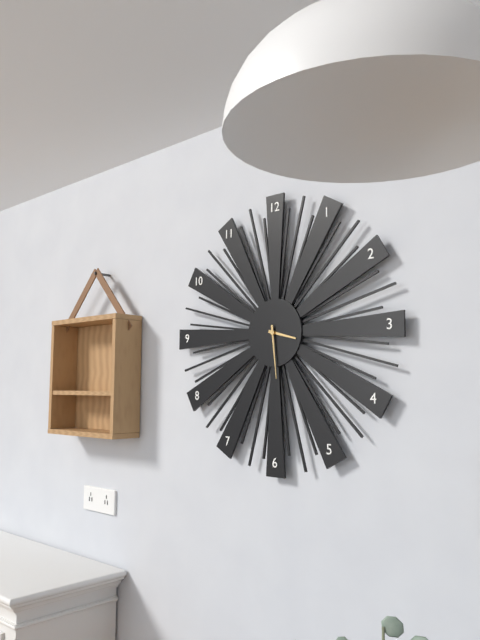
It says 3.29
